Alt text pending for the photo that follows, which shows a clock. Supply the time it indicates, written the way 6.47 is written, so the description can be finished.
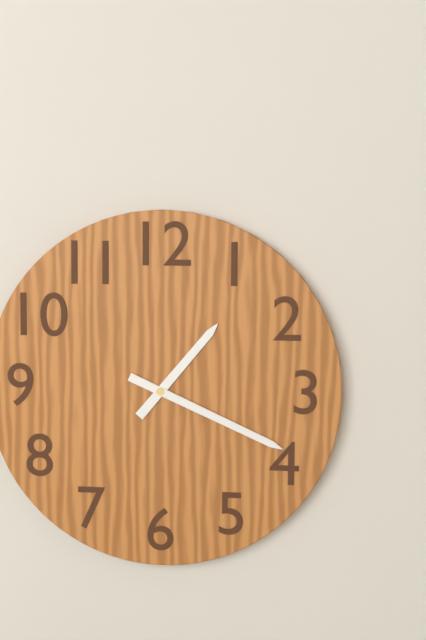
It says 1.19
